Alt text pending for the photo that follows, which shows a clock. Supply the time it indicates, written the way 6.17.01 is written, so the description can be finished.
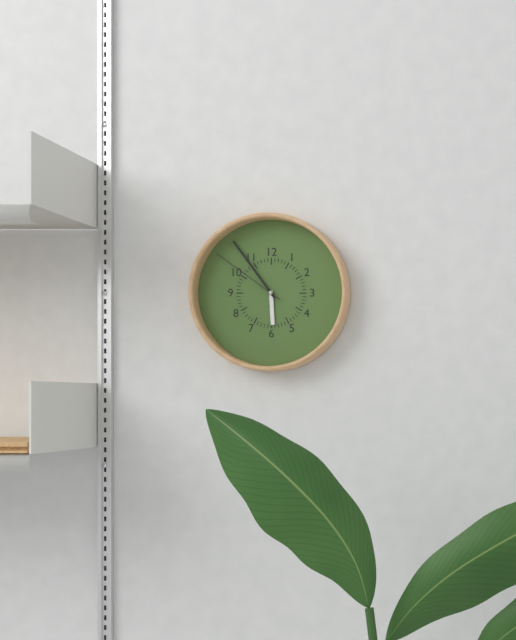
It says 5.54.51
